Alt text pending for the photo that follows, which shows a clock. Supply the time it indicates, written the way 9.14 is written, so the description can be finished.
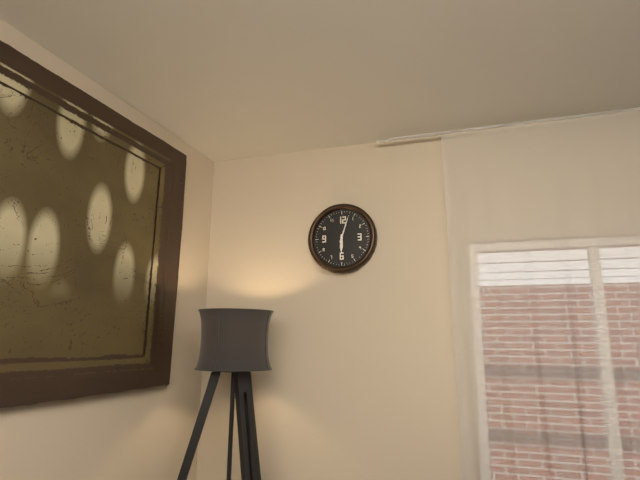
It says 6.03
